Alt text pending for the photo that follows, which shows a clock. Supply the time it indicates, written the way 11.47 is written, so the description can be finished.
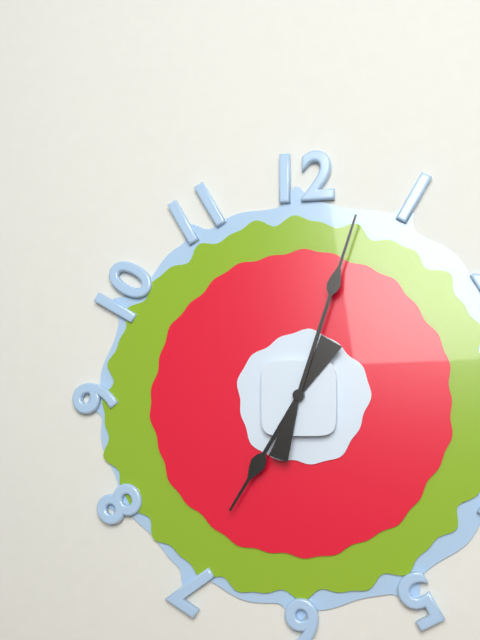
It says 7.03
